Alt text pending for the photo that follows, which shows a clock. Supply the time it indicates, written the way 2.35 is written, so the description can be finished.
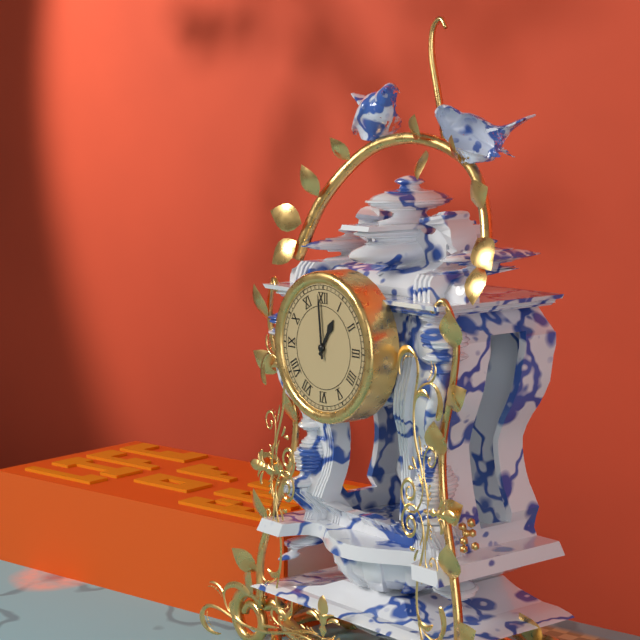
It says 12.59
